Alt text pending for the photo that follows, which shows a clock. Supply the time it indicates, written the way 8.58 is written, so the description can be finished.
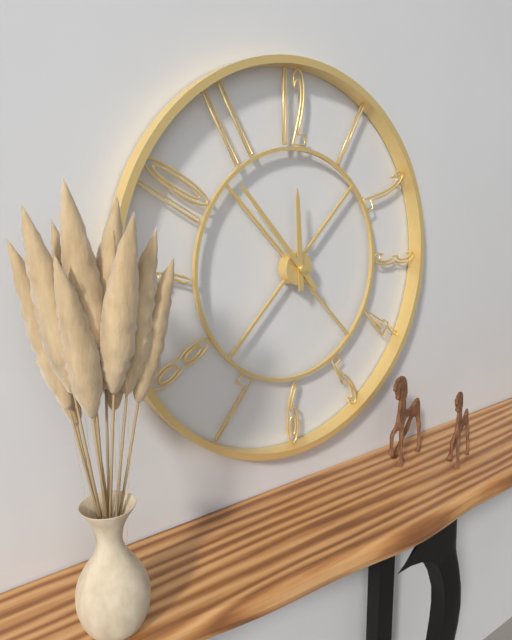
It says 11.53
